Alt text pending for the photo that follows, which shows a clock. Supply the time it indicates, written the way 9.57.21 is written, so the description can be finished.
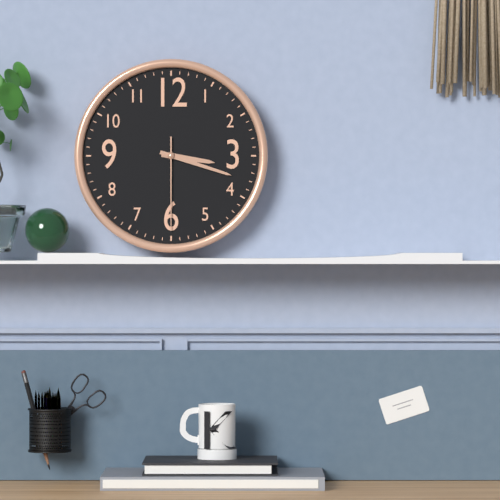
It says 3.18.30
